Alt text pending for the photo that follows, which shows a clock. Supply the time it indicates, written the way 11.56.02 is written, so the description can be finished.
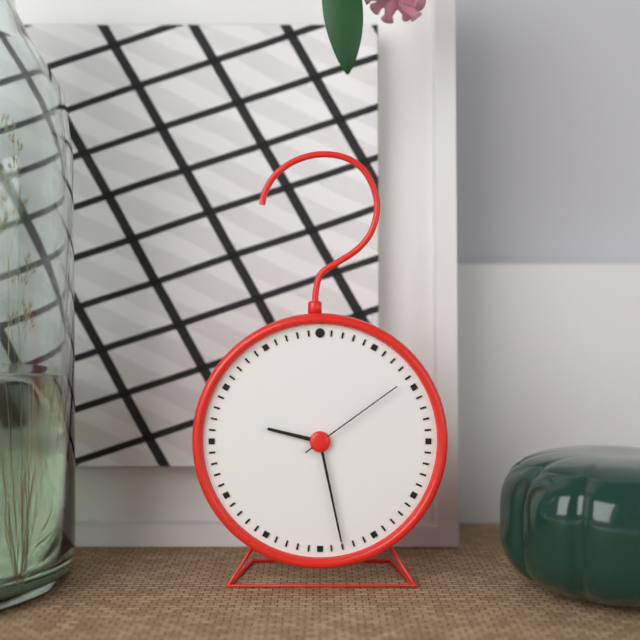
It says 9.28.09
